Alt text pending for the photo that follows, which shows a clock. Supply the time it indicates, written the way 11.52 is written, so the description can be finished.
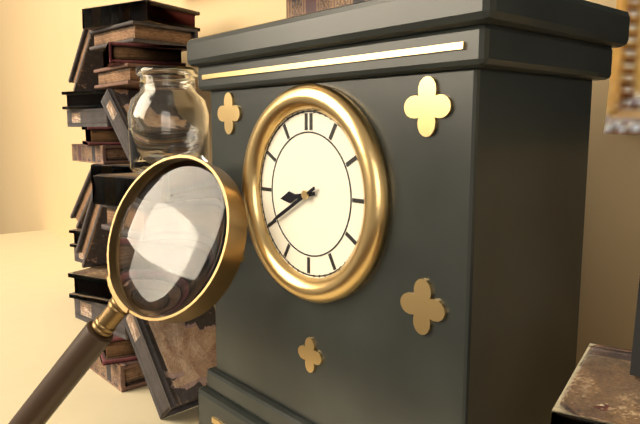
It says 8.40
